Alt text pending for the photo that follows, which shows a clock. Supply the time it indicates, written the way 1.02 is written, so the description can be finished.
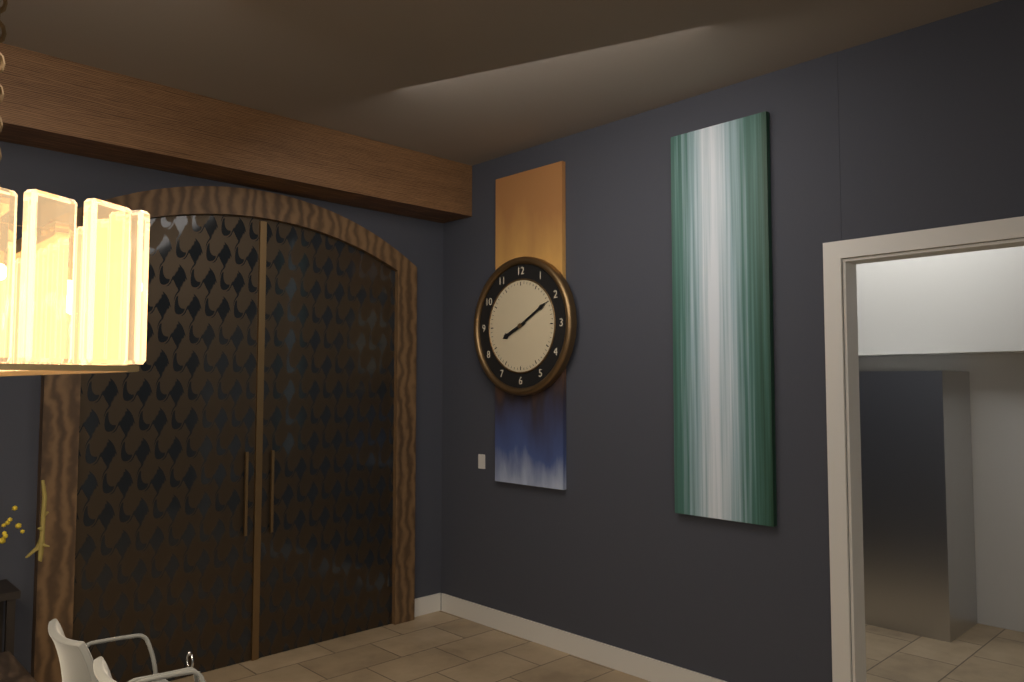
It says 8.10
